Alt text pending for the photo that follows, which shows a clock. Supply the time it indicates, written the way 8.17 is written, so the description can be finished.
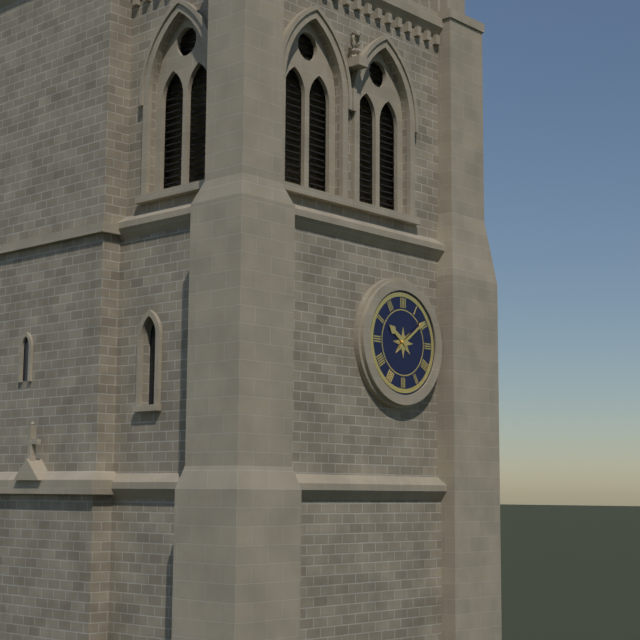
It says 10.09
